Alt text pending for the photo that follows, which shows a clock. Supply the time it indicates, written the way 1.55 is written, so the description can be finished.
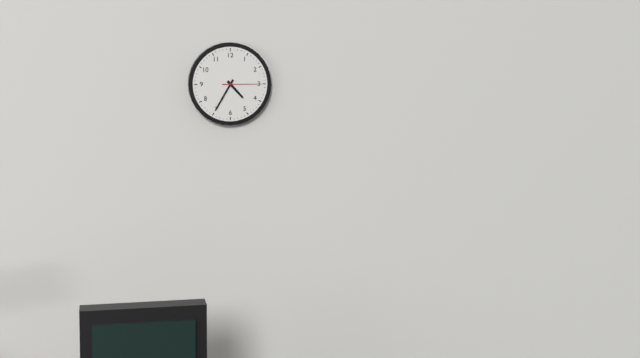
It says 4.35
